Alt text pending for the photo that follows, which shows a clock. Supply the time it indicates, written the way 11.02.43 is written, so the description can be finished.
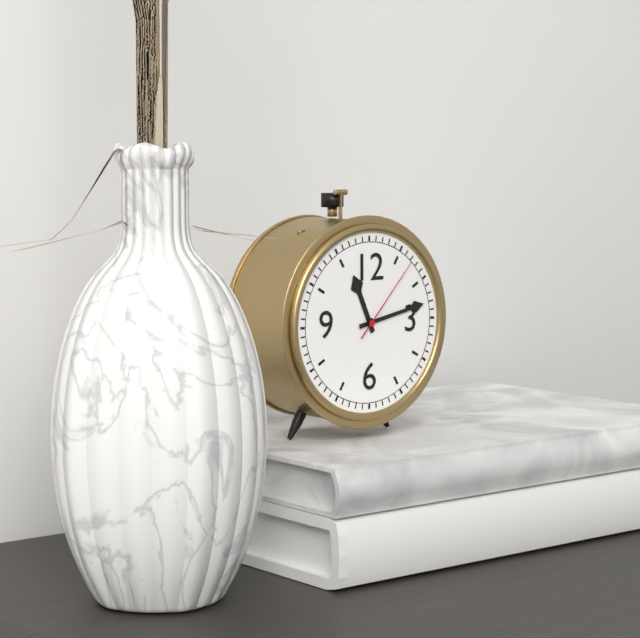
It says 11.13.07
